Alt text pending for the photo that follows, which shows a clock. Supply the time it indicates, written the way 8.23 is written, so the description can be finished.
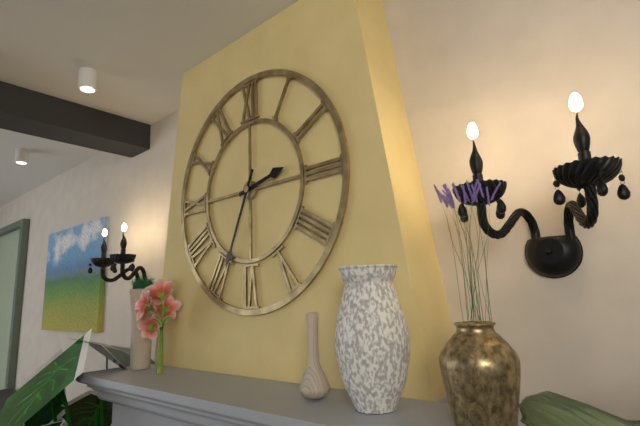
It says 2.34
